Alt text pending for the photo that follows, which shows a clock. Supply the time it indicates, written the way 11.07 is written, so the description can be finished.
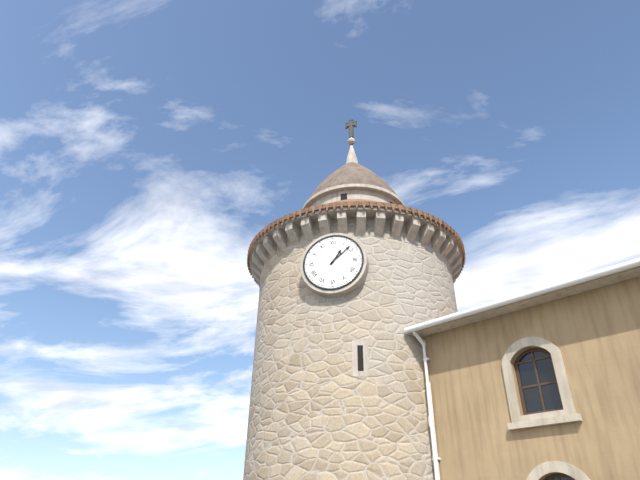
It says 1.08
